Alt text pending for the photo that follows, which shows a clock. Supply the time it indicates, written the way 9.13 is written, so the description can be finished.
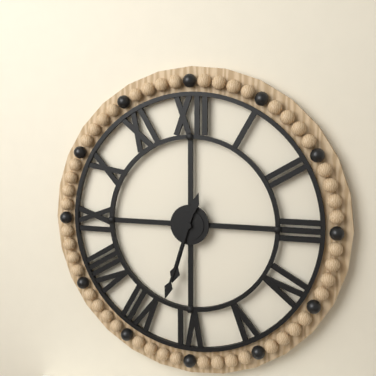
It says 6.33
